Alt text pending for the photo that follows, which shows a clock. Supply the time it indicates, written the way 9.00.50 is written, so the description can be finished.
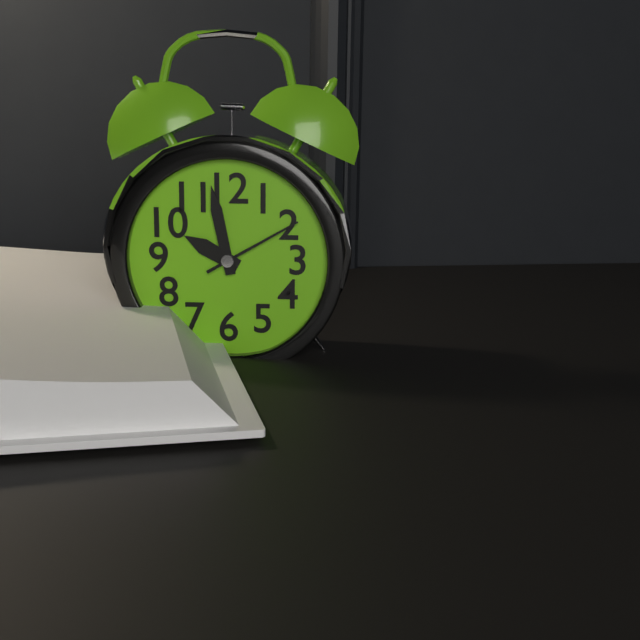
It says 9.58.10
